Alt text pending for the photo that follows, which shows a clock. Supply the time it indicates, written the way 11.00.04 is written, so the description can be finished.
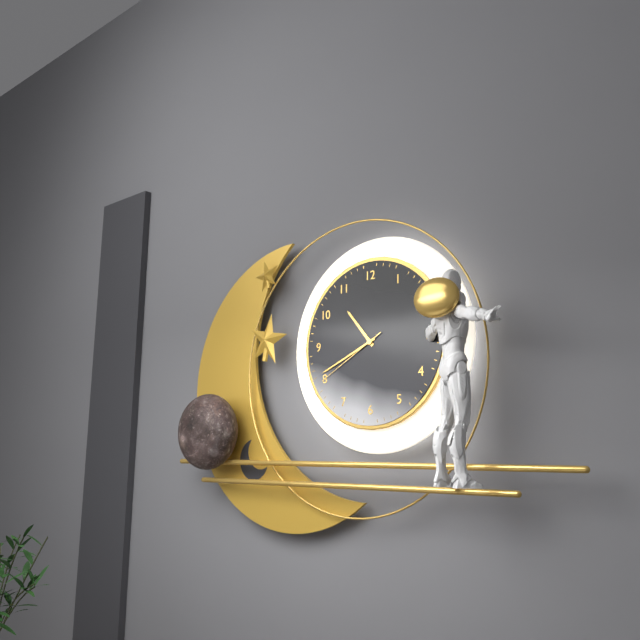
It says 10.41.40
